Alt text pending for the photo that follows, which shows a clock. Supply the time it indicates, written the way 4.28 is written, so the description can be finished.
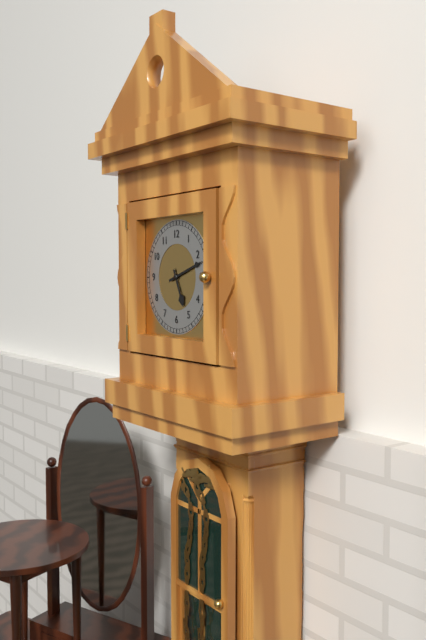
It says 5.12
